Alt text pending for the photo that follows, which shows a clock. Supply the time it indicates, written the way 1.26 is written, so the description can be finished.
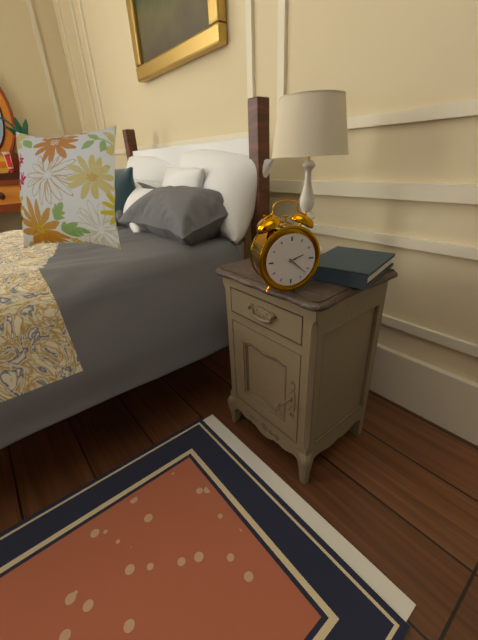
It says 2.22
